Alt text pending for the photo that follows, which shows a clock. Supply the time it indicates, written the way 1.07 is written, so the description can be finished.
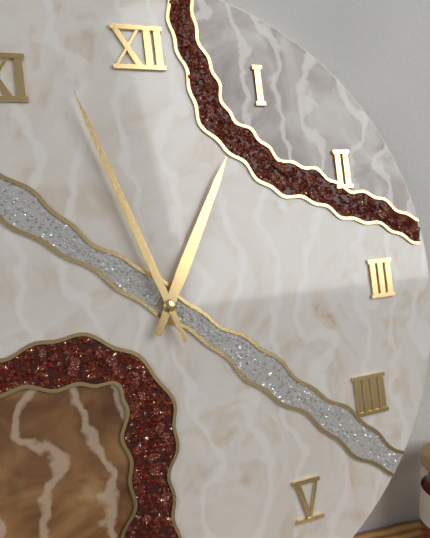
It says 12.57
